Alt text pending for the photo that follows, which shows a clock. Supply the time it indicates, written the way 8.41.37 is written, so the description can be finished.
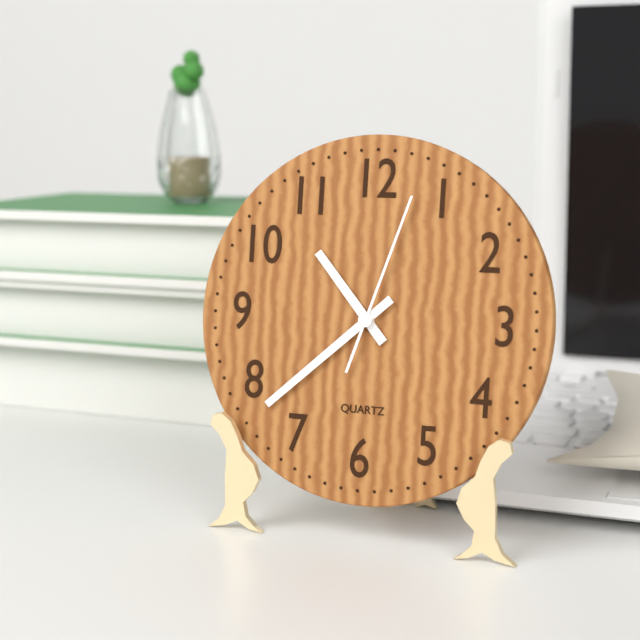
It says 10.38.03
